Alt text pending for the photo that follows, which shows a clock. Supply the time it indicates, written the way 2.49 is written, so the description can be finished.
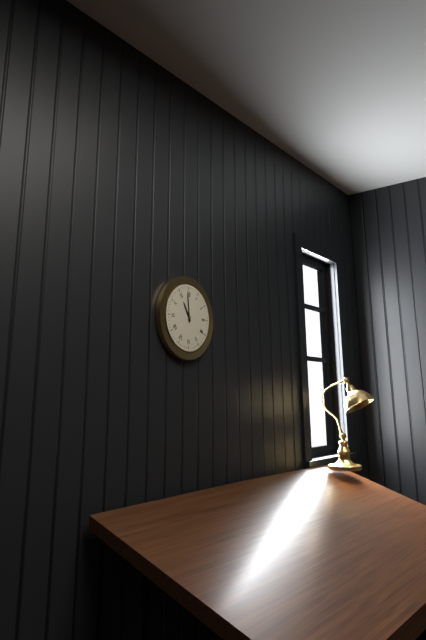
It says 10.59
